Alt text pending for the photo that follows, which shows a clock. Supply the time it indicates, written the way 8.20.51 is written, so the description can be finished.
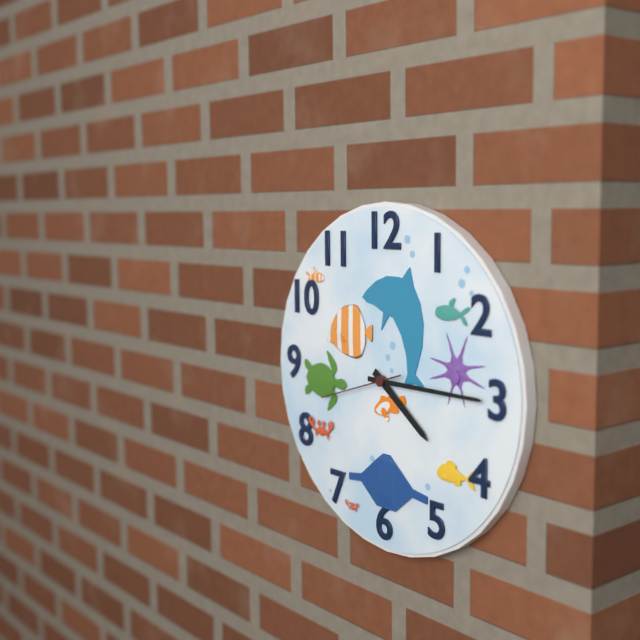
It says 4.15.42
